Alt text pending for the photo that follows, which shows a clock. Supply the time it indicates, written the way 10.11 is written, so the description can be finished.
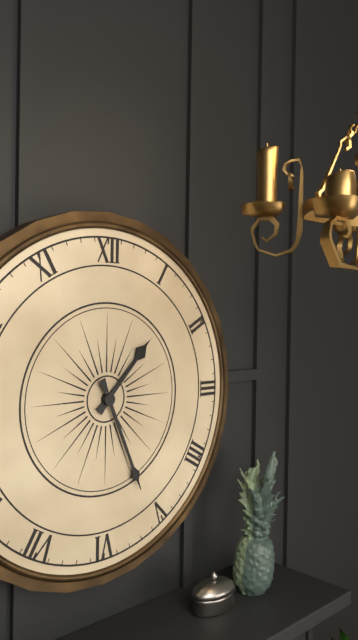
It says 1.26
